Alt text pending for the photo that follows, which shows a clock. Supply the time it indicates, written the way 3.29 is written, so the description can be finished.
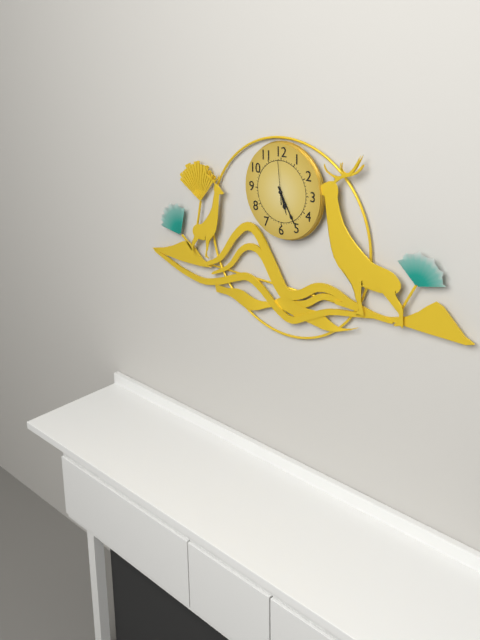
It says 5.25
